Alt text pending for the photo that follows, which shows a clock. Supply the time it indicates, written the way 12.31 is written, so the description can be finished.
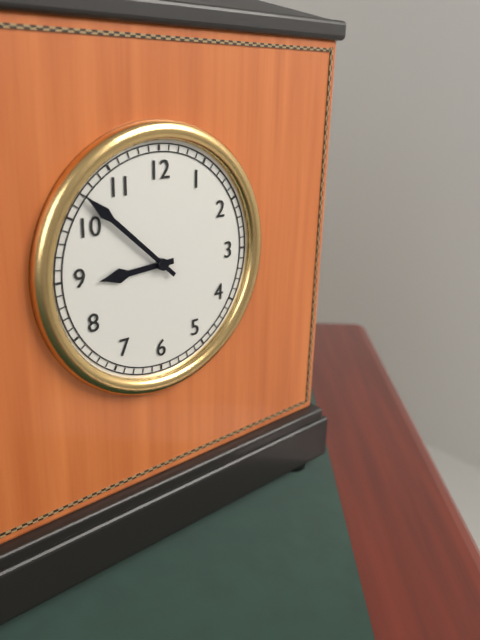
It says 8.52
